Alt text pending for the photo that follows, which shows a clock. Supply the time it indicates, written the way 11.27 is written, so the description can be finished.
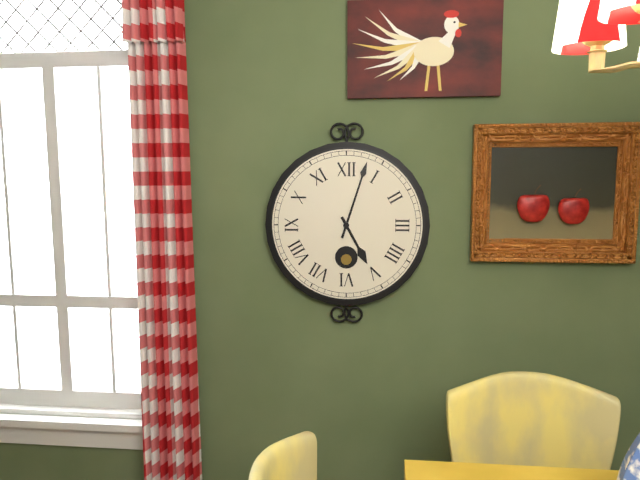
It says 5.03
